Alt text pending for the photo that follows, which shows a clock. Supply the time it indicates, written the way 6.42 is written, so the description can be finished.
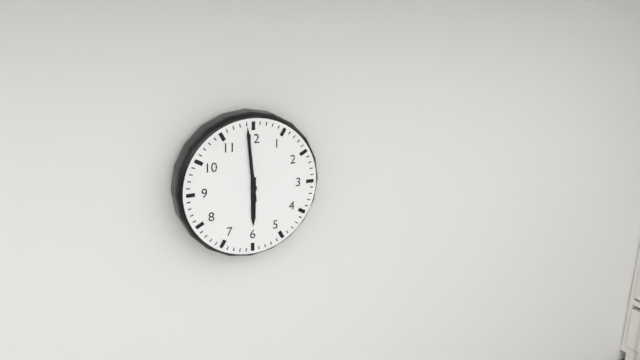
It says 5.59
